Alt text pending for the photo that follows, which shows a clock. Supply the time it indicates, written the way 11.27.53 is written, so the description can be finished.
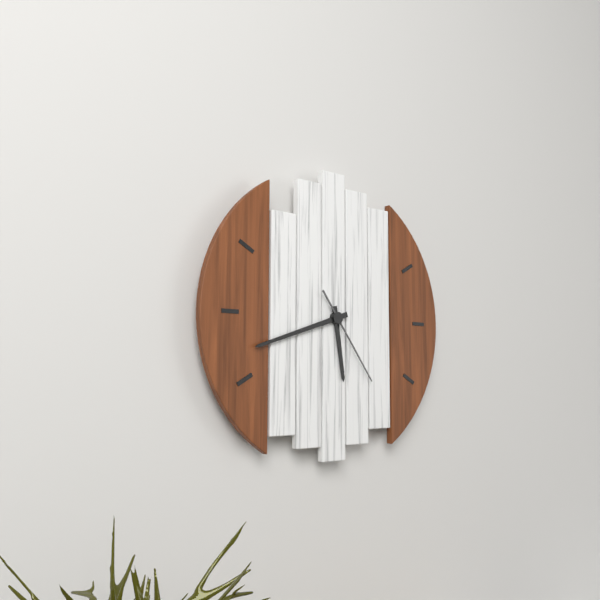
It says 5.42.24
